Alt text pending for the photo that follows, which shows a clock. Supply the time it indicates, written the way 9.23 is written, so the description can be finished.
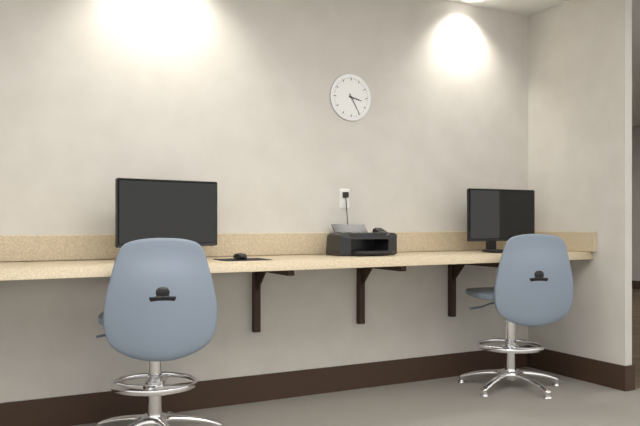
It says 3.25
